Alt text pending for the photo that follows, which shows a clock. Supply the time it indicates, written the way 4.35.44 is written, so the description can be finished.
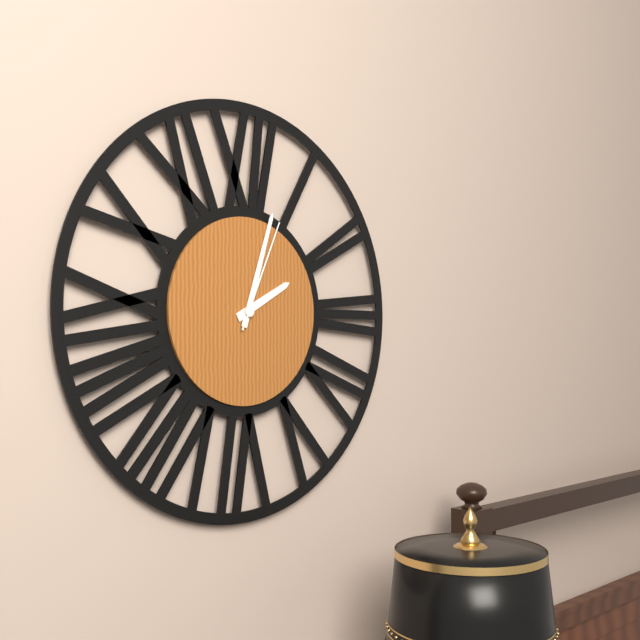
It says 2.03.04
